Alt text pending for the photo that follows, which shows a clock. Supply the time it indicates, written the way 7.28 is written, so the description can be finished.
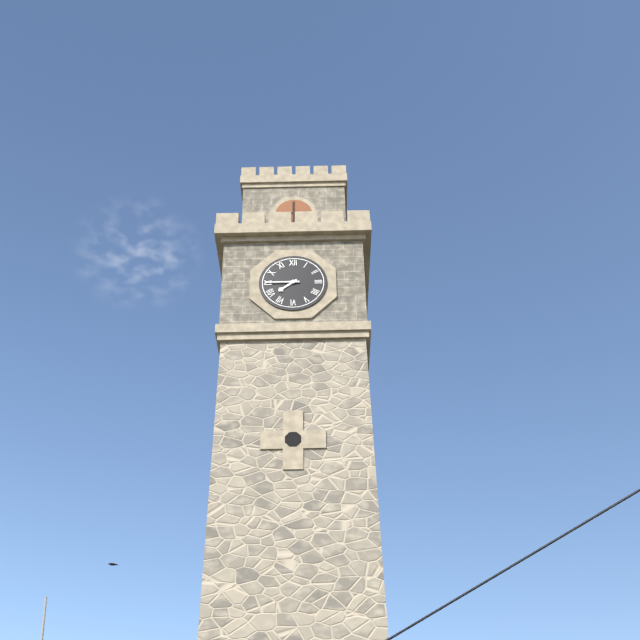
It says 7.45
